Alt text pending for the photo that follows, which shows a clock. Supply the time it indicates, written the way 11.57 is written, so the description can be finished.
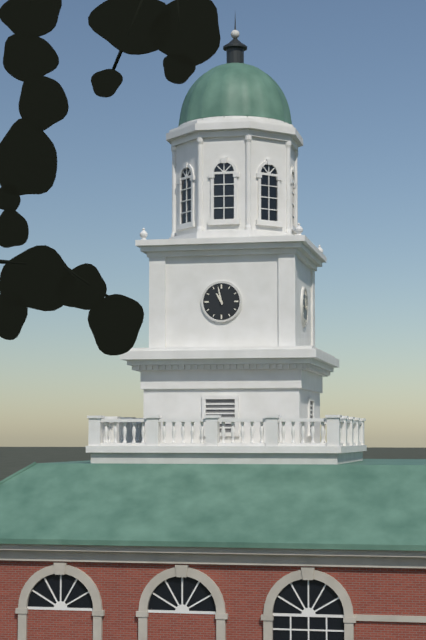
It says 10.58
